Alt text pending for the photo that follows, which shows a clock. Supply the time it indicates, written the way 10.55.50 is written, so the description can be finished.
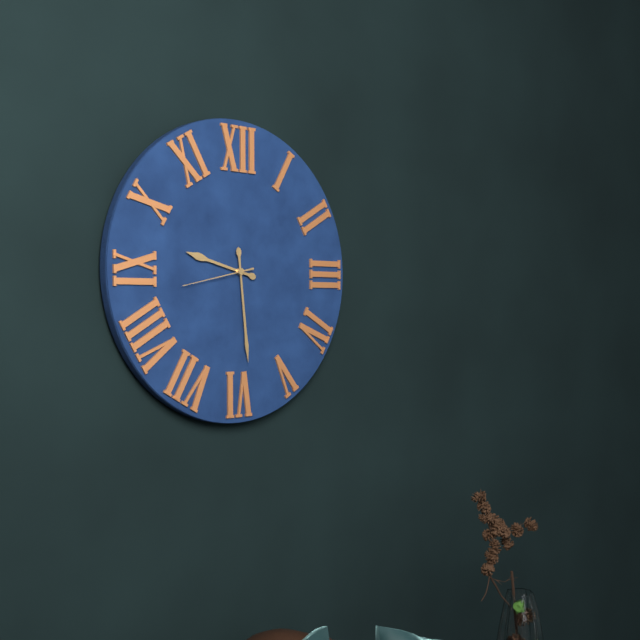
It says 9.29.43
